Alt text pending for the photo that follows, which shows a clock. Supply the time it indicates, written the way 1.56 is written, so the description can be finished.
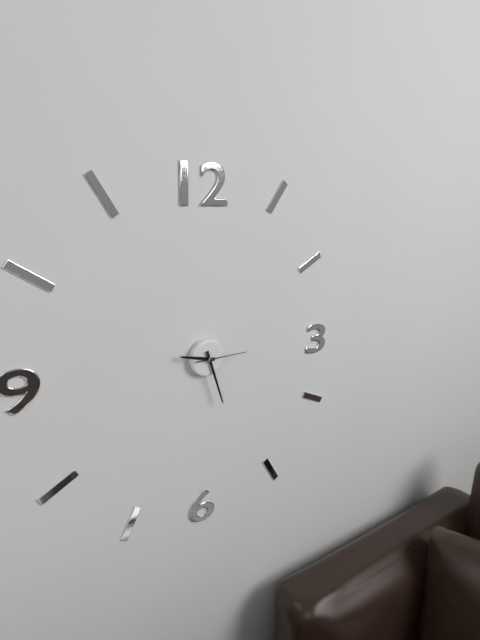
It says 9.27
